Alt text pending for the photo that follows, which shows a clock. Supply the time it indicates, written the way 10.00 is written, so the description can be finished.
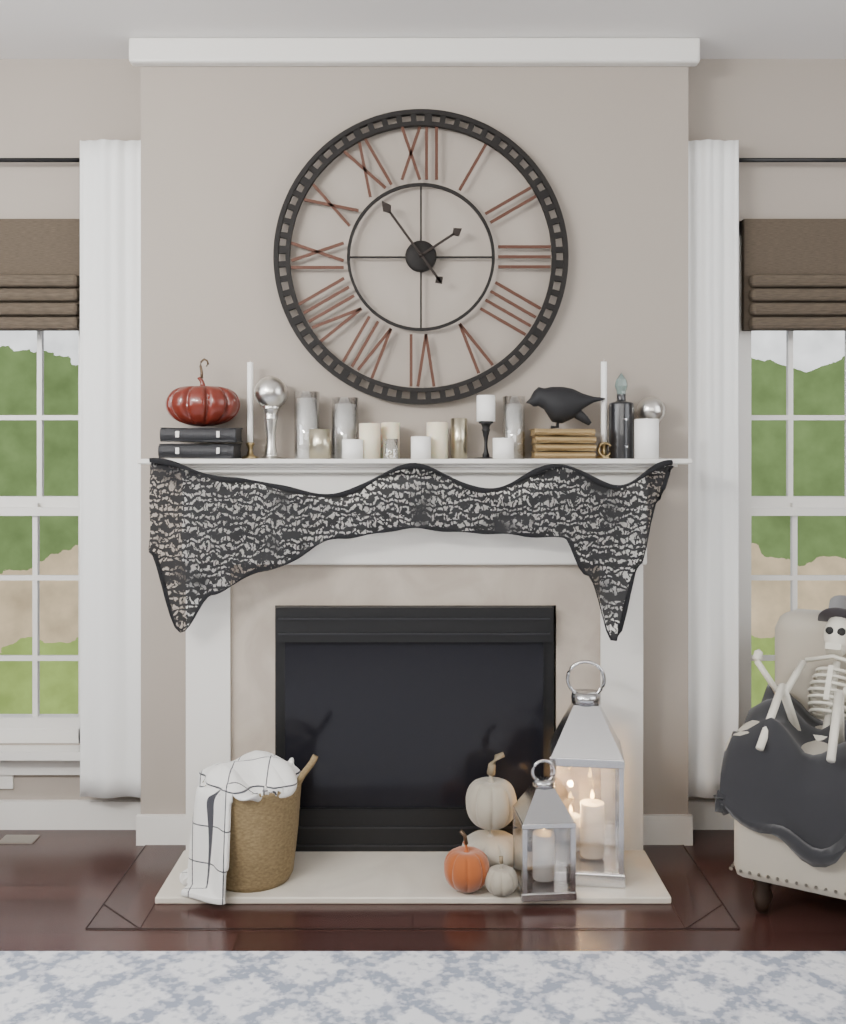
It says 1.54
